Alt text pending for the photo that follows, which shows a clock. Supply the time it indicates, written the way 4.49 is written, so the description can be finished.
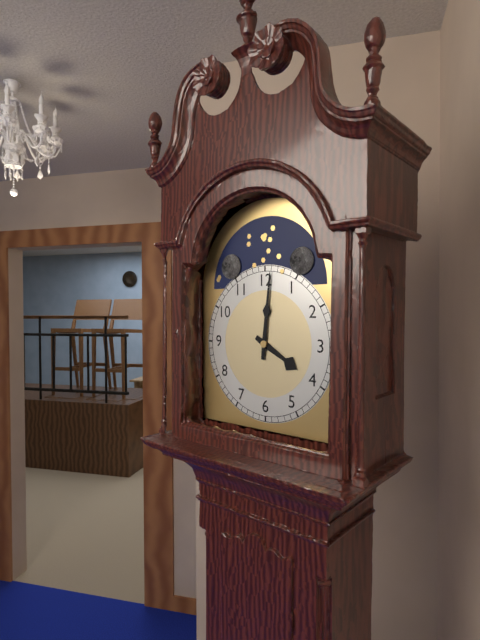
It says 4.01
